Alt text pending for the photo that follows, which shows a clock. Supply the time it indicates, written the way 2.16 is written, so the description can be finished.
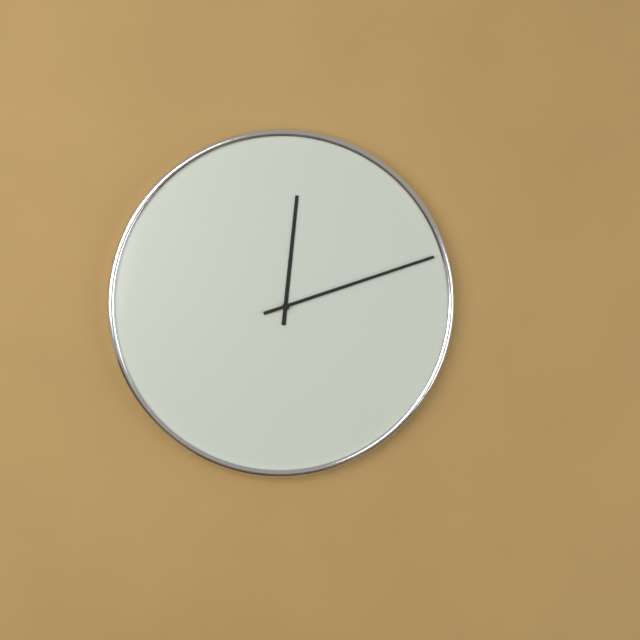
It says 12.12
